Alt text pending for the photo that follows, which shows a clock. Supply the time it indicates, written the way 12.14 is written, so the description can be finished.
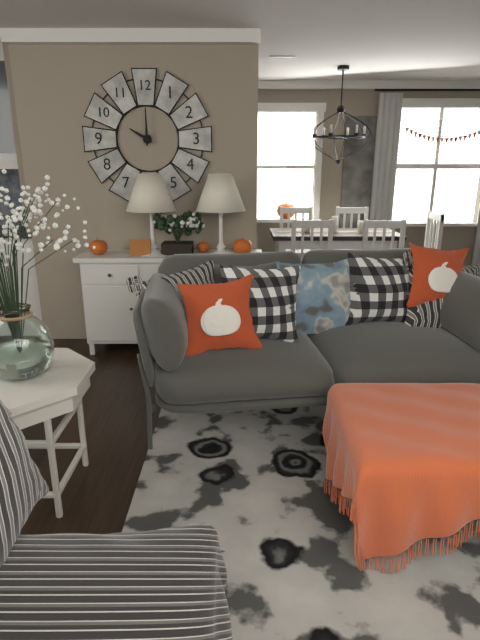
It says 10.00
